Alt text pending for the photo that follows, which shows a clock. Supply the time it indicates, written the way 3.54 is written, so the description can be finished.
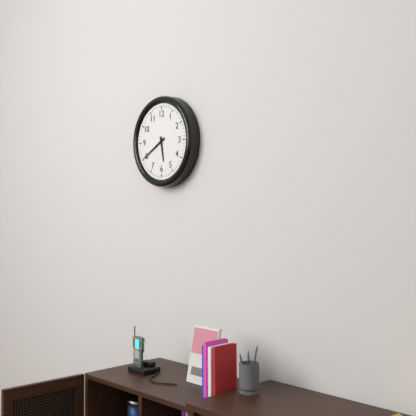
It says 5.40
